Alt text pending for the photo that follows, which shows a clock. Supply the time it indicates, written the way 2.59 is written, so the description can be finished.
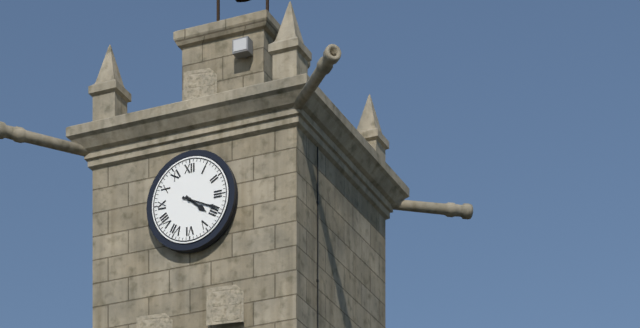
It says 4.19
